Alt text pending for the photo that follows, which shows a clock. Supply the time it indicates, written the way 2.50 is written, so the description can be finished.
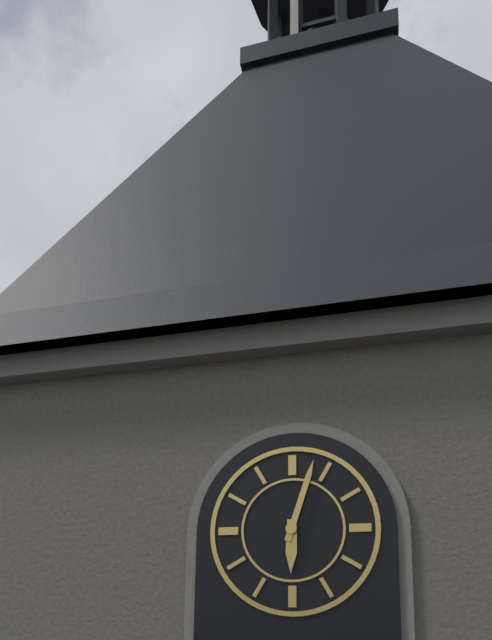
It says 6.03
